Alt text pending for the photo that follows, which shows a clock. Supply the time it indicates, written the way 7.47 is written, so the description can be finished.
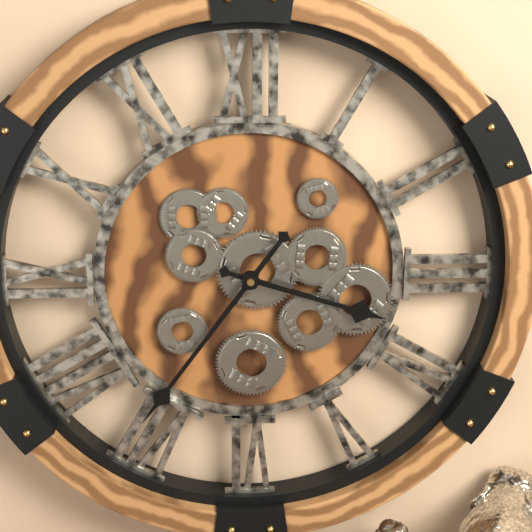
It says 3.36
